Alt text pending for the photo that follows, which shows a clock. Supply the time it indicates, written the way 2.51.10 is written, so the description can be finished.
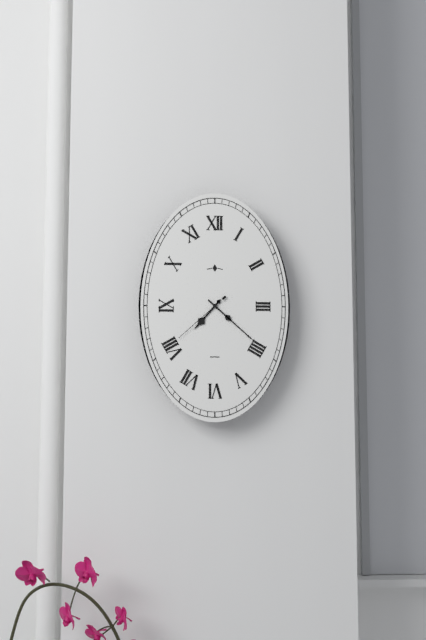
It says 7.22.38
